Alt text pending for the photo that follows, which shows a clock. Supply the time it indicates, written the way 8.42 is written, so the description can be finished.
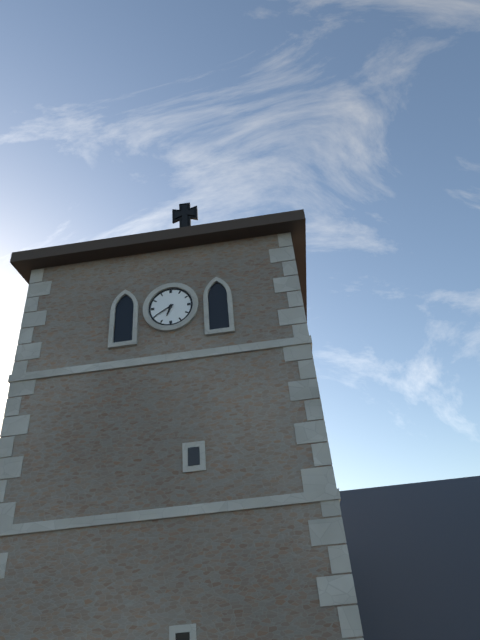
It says 6.40
